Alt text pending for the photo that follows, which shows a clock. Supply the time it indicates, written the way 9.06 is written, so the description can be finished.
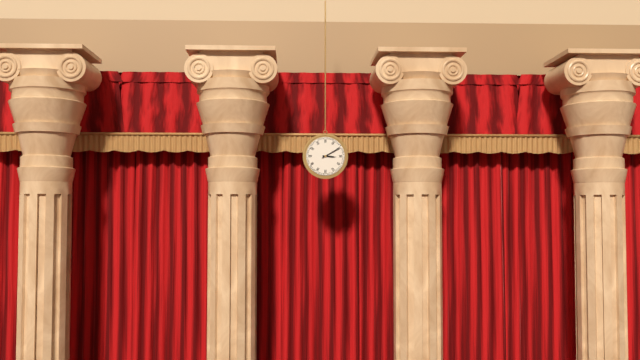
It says 3.10
